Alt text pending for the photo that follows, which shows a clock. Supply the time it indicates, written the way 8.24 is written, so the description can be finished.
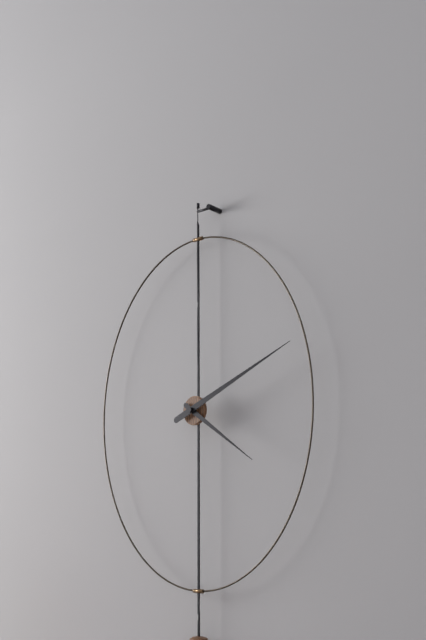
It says 4.11
